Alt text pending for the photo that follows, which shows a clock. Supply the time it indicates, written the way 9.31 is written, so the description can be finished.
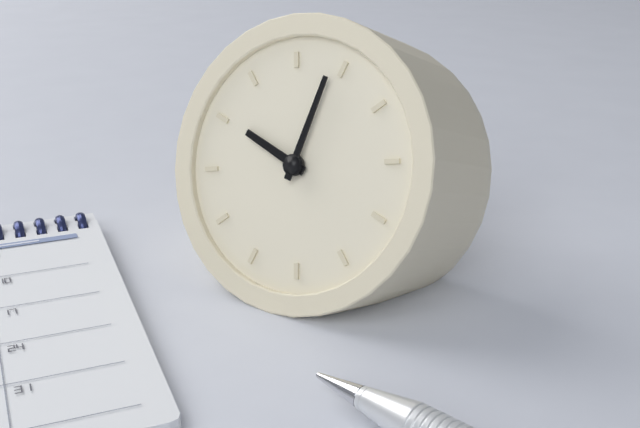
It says 10.04
